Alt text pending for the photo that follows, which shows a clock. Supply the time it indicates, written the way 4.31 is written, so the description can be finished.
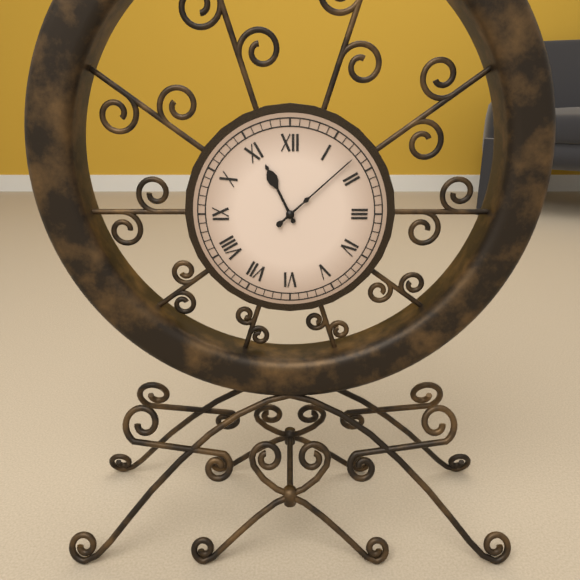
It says 11.08
